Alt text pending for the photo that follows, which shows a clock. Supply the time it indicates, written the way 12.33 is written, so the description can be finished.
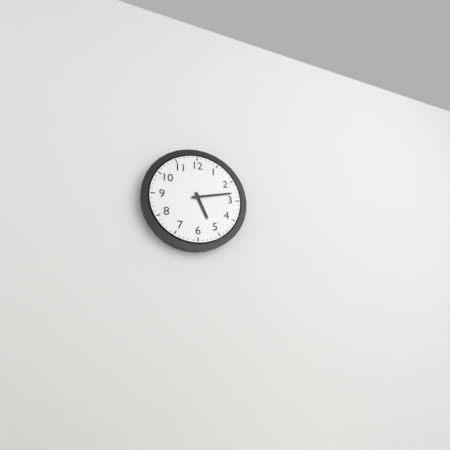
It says 5.13
